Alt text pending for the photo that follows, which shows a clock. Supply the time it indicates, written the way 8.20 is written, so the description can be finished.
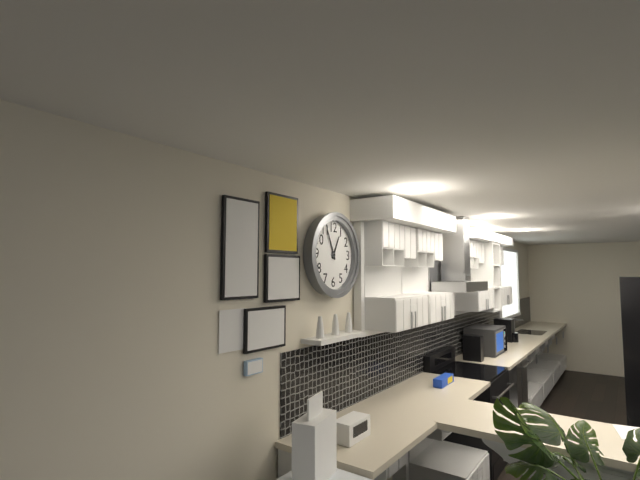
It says 12.56
